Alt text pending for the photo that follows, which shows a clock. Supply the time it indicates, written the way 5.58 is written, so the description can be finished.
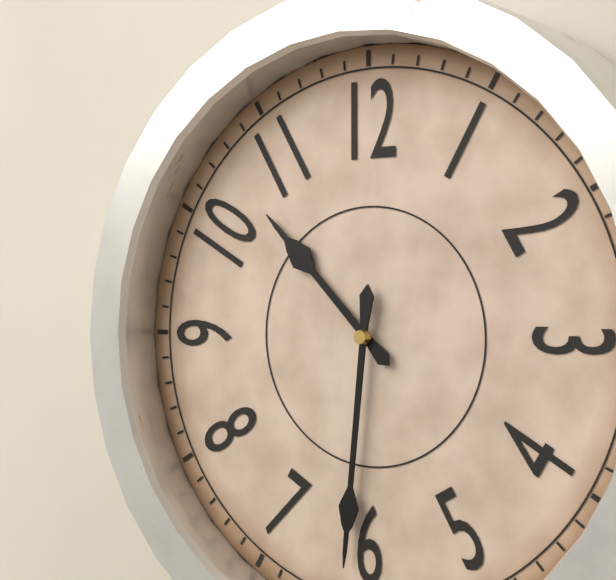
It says 10.31
